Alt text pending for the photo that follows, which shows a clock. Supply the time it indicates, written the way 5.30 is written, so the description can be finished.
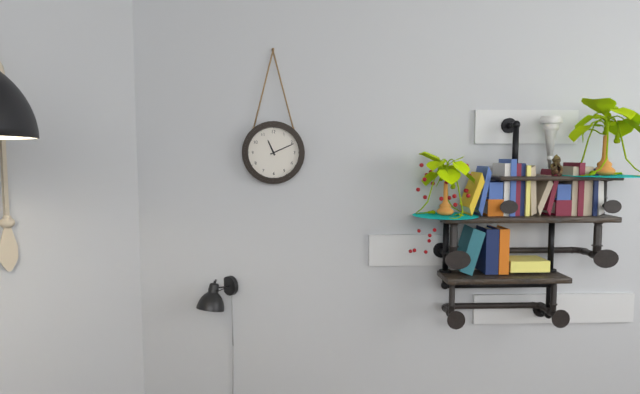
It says 11.11
